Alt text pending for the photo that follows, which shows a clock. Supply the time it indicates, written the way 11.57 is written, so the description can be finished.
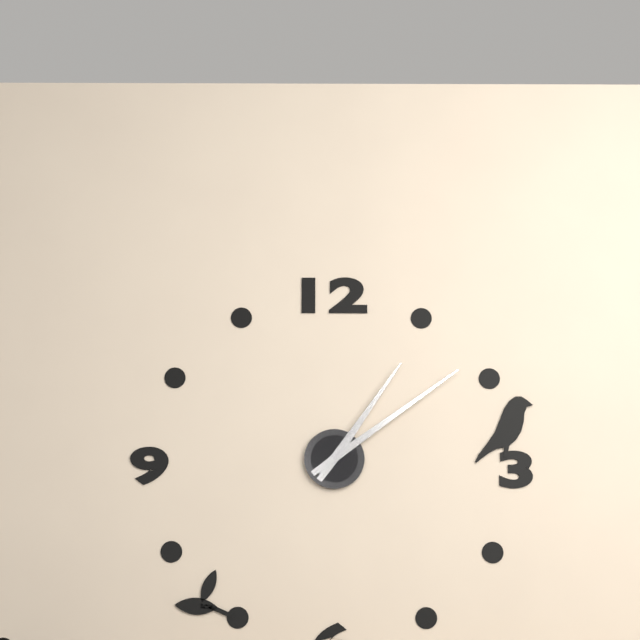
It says 1.09
